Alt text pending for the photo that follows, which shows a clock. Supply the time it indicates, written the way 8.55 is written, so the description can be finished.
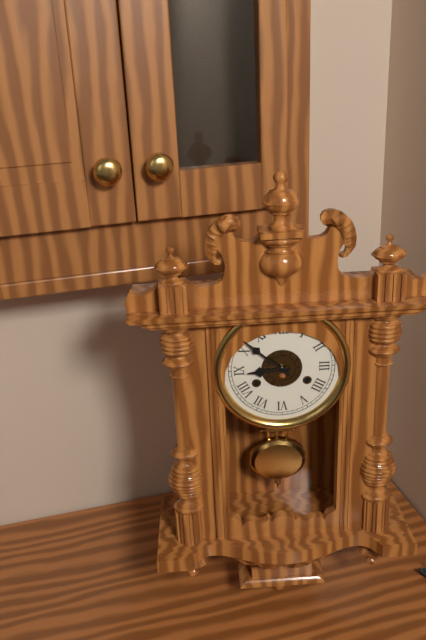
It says 8.52
